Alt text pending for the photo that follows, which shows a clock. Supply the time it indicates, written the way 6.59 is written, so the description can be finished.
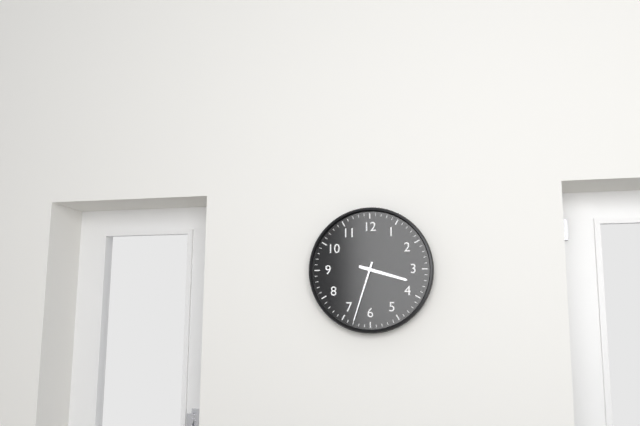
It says 3.33
